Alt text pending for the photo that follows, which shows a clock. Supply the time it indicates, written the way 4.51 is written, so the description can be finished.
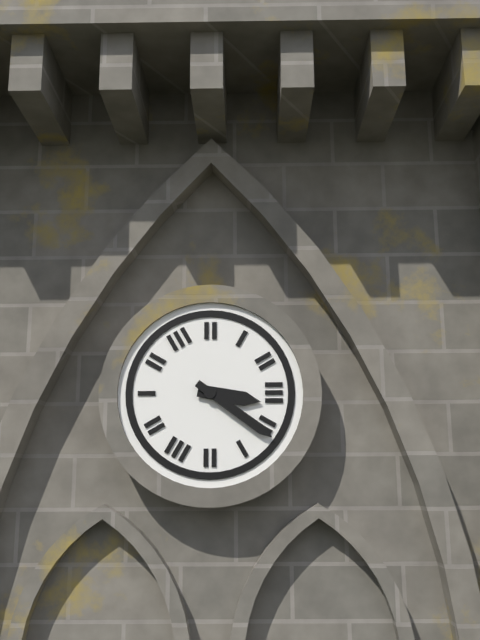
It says 3.21
